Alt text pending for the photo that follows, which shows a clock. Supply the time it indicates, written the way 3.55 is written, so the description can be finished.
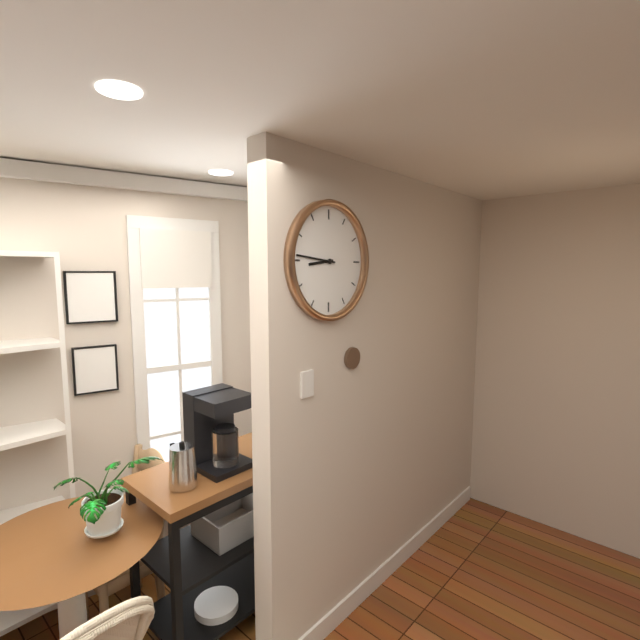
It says 8.46
